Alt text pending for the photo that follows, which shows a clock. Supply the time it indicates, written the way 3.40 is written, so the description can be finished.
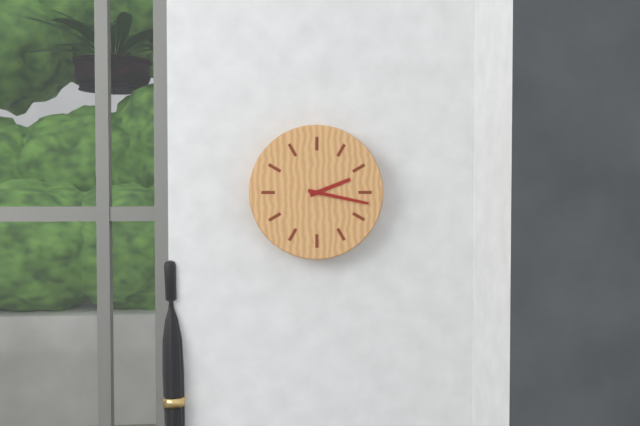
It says 2.17
